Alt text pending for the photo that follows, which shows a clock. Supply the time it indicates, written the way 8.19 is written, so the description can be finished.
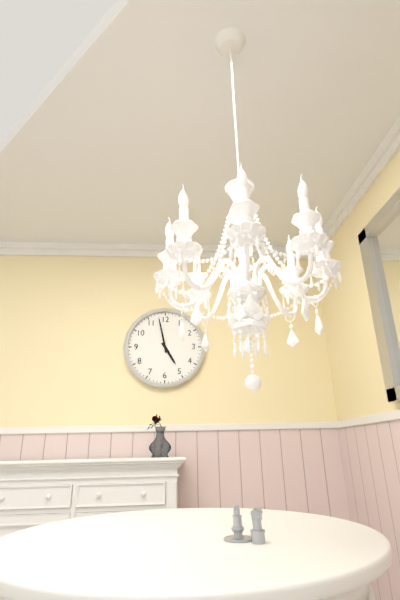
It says 4.58
